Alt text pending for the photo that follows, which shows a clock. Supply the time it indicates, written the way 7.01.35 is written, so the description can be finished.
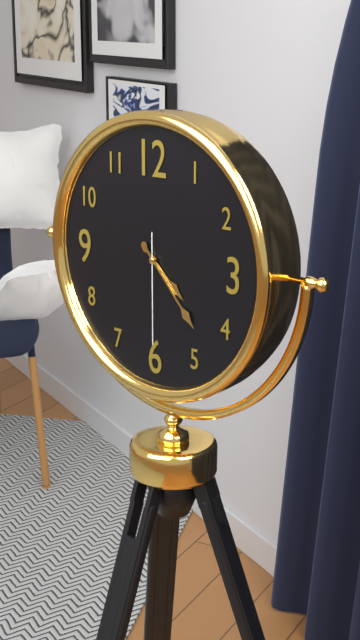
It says 4.23.30
